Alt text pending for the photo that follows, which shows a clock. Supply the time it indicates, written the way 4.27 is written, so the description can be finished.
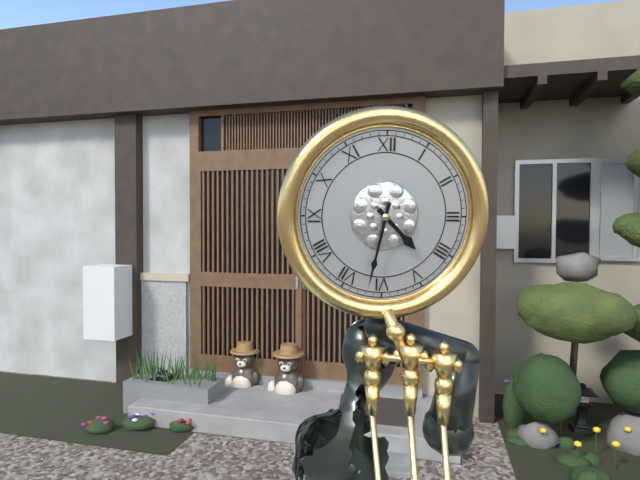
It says 4.32
